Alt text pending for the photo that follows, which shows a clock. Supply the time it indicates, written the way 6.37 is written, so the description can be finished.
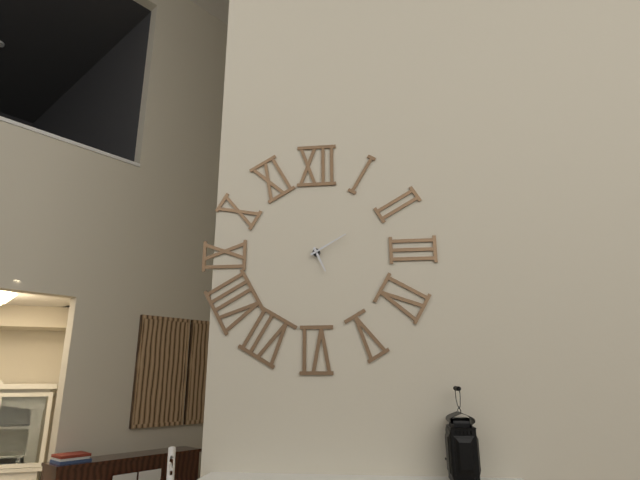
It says 5.10
